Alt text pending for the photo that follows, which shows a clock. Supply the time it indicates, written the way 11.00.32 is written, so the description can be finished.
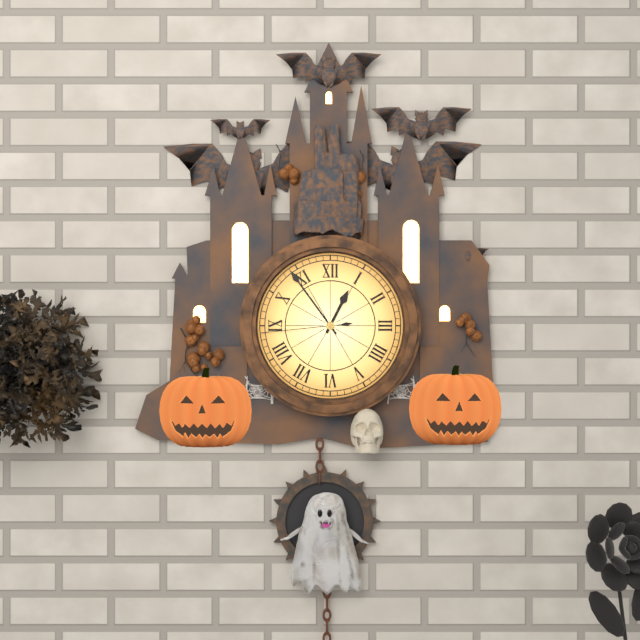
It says 12.54.44
